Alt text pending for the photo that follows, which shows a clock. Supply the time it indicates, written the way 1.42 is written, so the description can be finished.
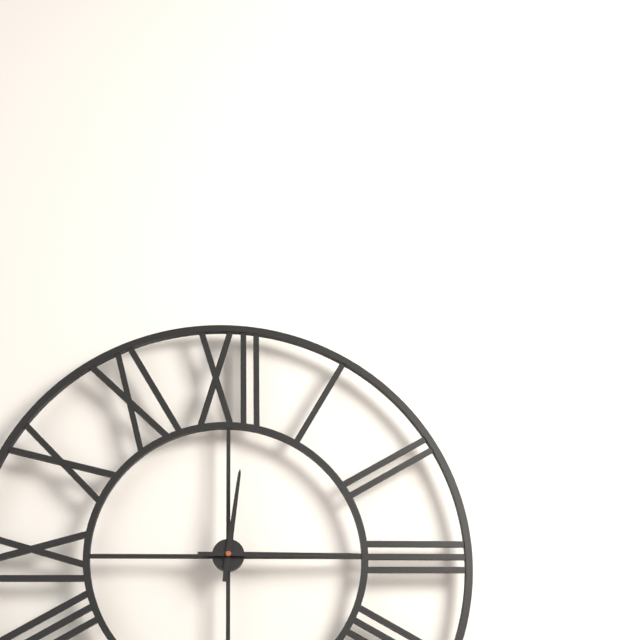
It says 12.15
